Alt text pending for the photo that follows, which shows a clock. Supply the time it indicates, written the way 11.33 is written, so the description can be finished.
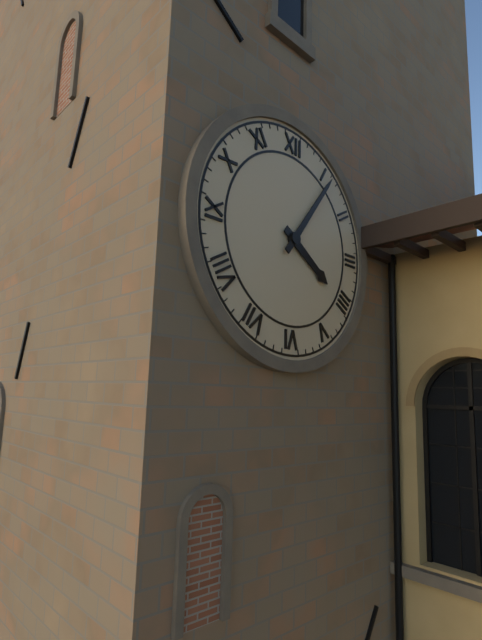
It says 4.06
